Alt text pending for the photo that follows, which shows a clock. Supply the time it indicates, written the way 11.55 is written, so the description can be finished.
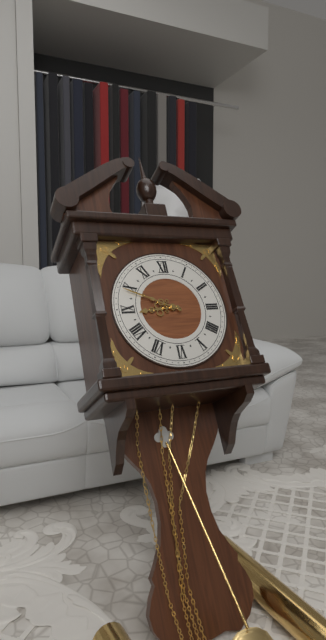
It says 8.49
